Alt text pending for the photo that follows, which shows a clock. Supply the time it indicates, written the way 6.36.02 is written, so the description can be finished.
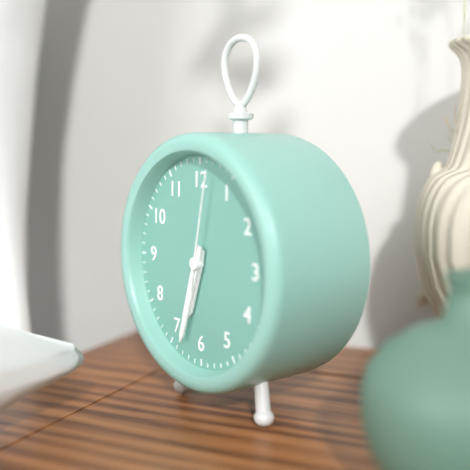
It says 6.33.02
